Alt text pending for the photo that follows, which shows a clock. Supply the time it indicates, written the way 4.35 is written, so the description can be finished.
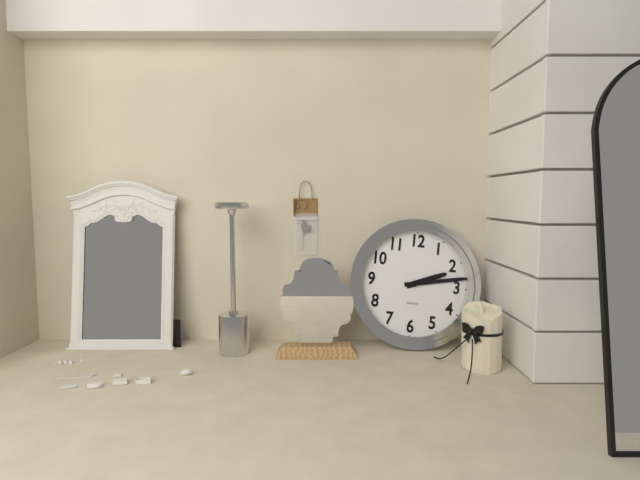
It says 2.13
